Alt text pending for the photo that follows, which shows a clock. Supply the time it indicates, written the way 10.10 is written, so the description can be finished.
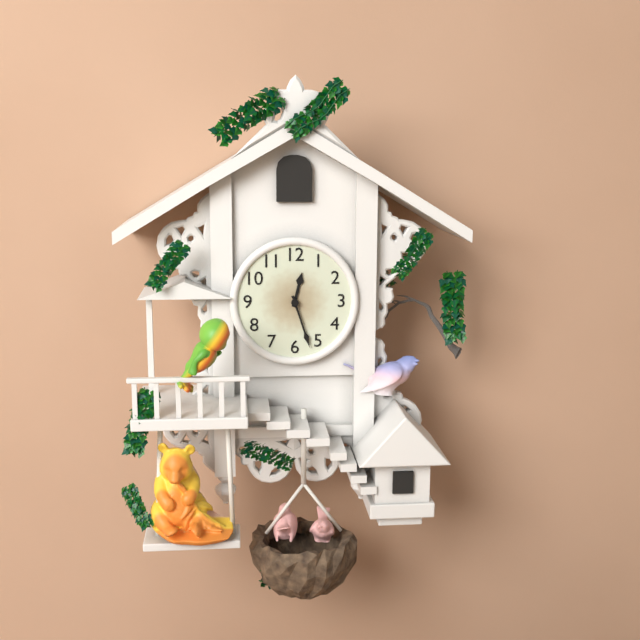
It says 12.27
